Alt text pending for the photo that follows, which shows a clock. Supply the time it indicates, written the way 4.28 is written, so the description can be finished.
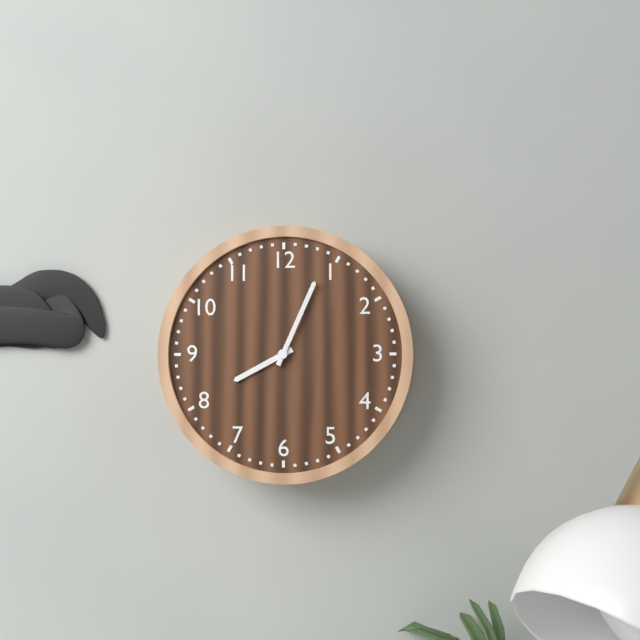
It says 8.04
